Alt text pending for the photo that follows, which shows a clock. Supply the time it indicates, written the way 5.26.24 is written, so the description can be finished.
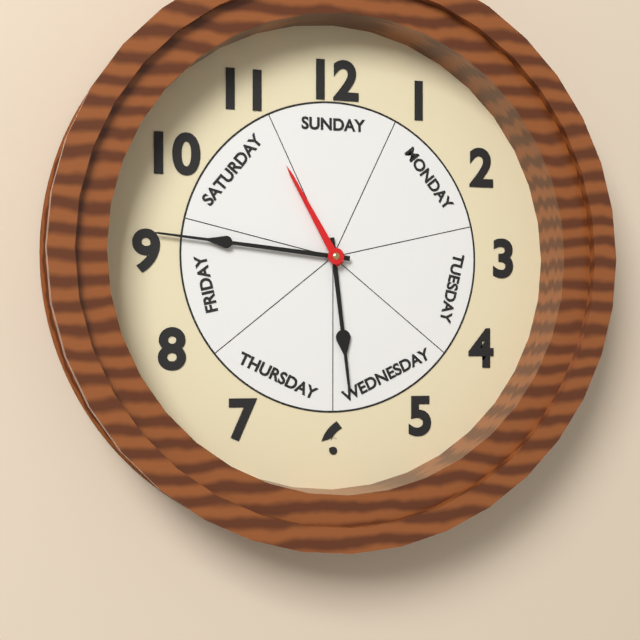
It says 5.46.55
